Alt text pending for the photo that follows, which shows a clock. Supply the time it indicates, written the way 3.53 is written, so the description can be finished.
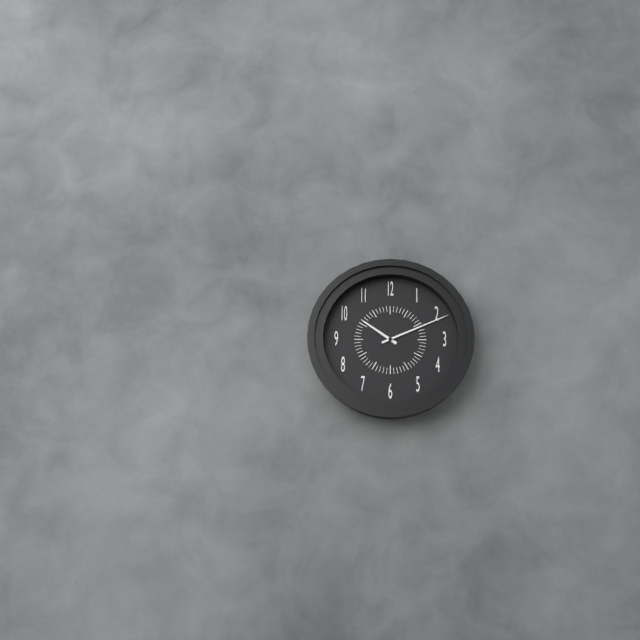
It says 10.11
